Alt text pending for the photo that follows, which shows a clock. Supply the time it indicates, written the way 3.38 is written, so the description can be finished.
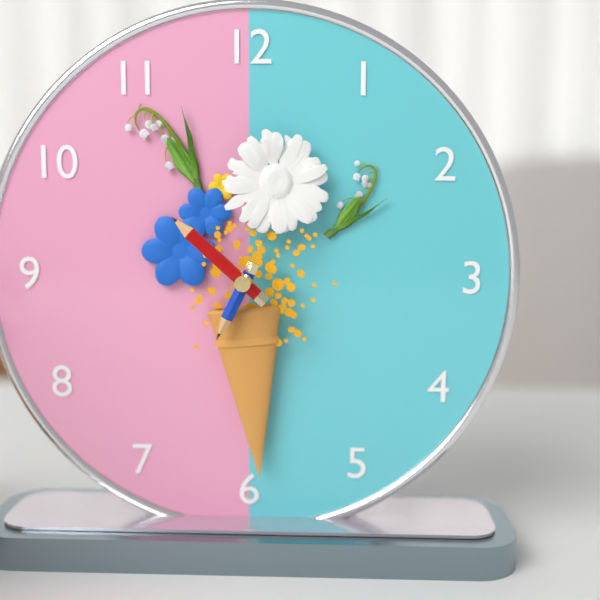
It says 6.52
